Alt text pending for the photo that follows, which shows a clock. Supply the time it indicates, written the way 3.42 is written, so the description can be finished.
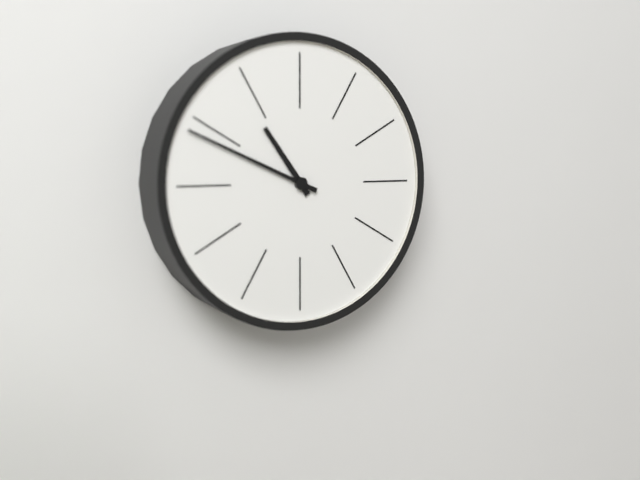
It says 10.49
